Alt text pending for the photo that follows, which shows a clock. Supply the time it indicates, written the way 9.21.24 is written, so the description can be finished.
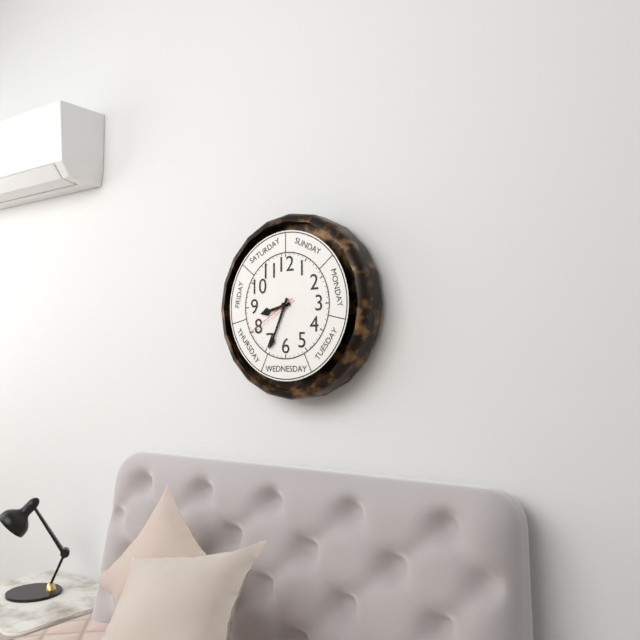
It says 8.34.40
